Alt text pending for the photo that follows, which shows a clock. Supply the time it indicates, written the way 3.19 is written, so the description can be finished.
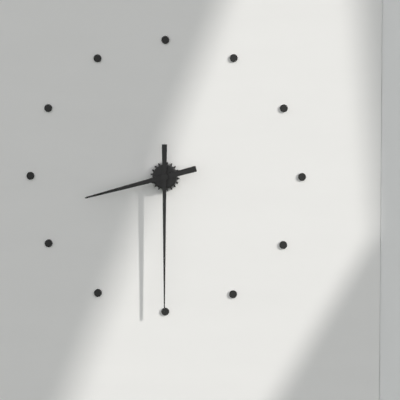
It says 8.30
